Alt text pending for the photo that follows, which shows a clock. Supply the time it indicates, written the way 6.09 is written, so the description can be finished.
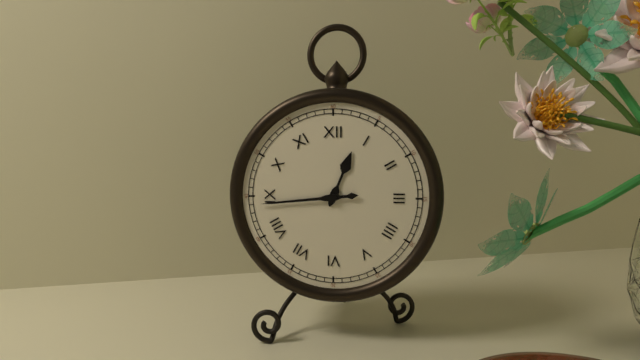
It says 12.44
